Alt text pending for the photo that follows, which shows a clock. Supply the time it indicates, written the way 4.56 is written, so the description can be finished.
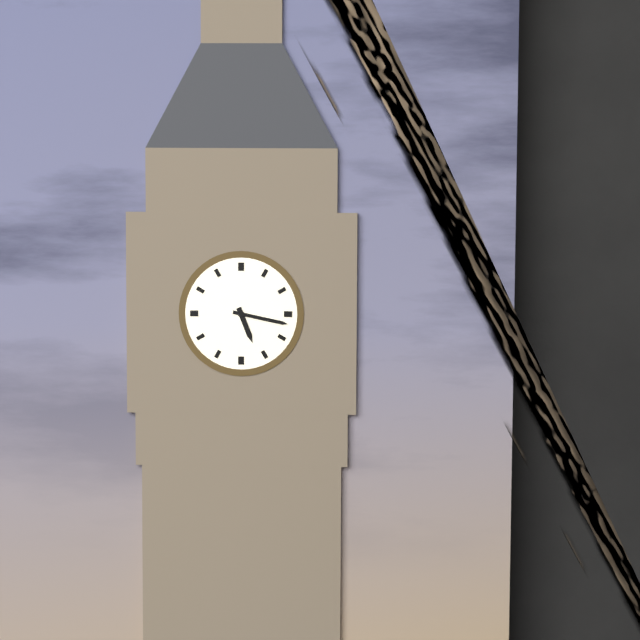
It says 5.17
